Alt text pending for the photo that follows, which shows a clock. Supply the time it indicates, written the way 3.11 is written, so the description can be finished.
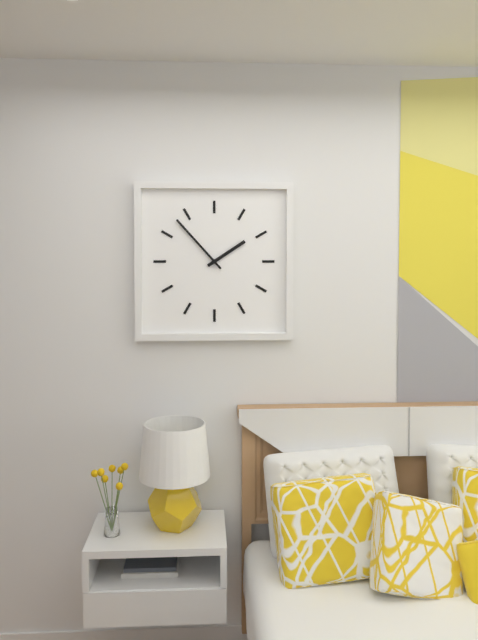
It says 1.53
